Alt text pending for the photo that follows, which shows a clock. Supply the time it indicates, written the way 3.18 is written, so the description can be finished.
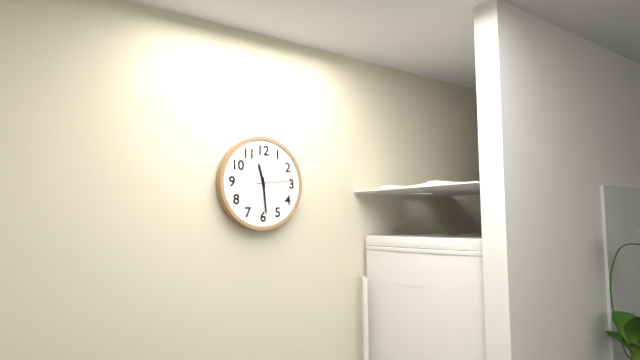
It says 11.29
